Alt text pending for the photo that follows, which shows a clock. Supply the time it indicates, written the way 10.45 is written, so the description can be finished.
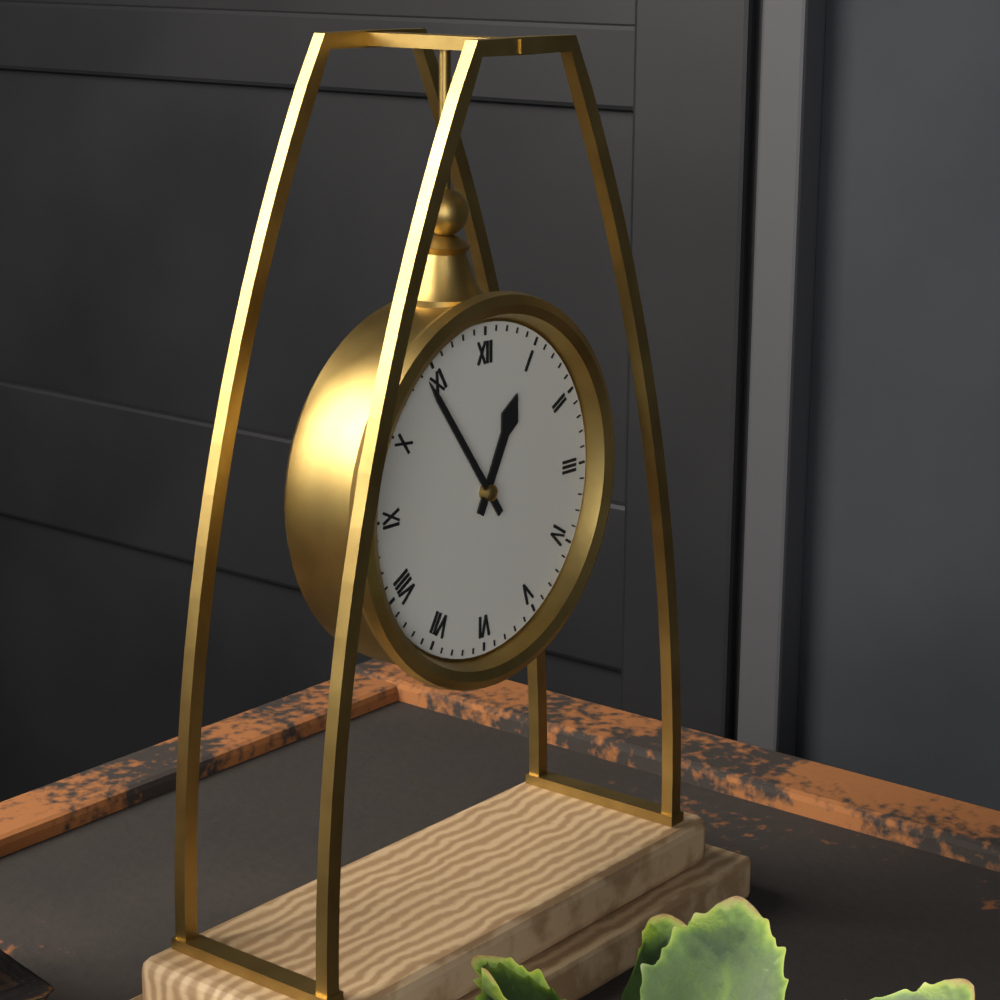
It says 12.54
